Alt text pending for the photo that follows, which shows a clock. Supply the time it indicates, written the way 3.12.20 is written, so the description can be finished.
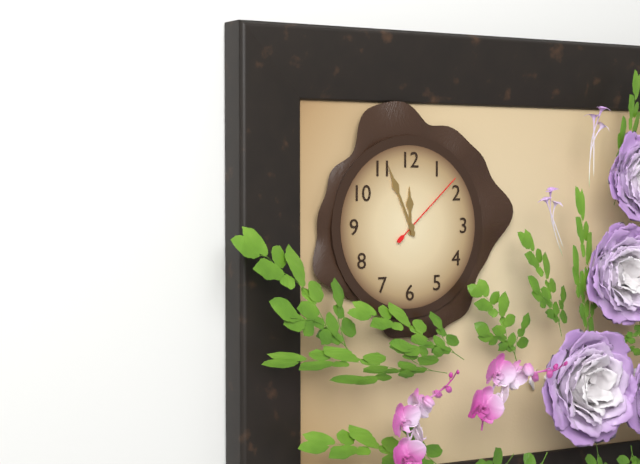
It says 11.56.08
